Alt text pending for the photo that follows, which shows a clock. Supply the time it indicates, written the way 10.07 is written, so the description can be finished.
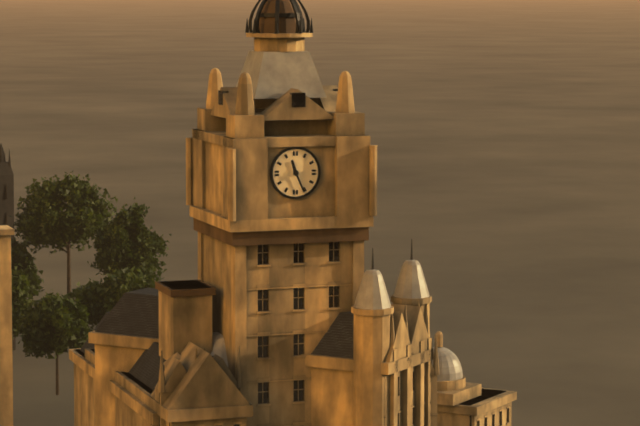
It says 11.26
